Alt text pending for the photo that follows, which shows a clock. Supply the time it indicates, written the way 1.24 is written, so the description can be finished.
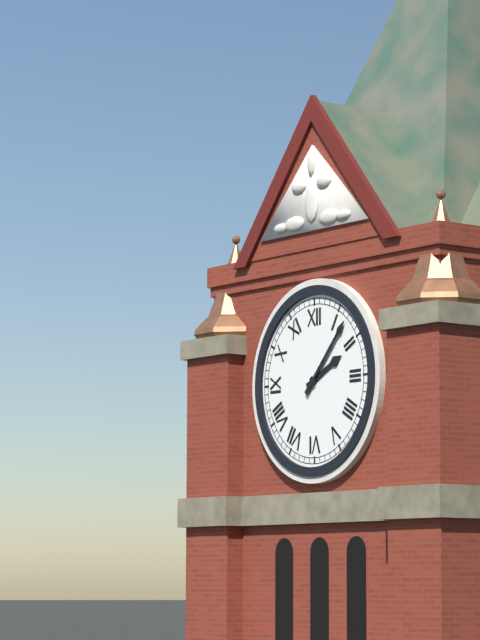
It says 2.07
